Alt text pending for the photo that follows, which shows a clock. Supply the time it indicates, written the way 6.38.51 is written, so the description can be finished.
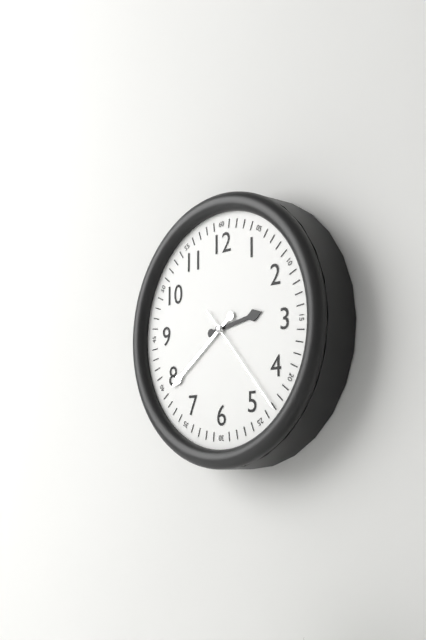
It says 2.39.23
